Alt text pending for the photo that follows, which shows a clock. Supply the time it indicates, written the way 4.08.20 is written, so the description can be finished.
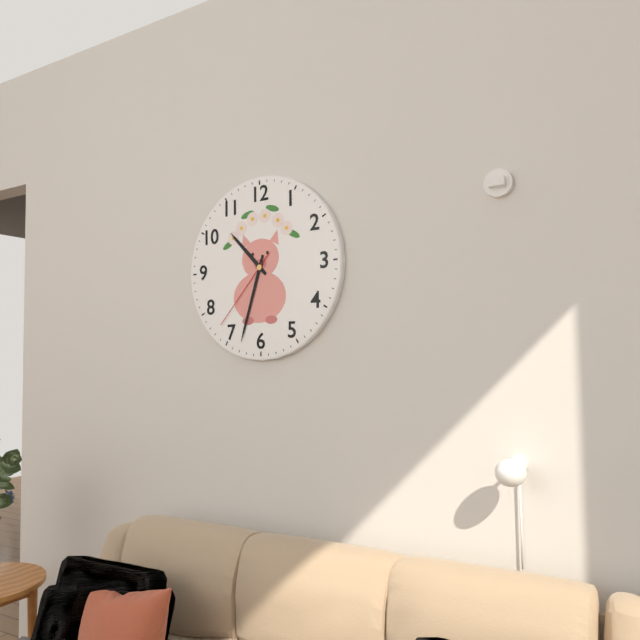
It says 10.33.37
